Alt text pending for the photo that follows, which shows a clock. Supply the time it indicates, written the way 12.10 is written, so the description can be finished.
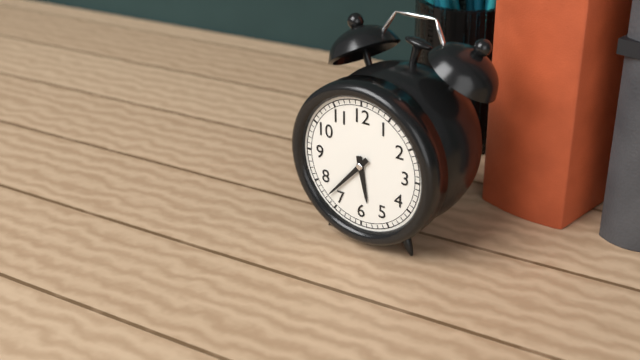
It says 5.37
